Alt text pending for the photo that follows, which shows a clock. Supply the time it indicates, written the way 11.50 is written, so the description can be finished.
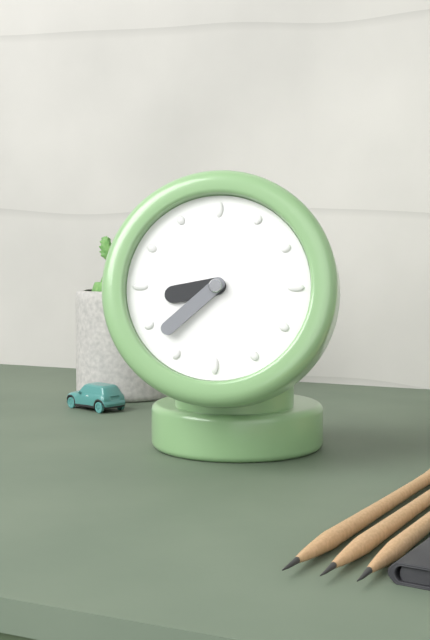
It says 8.38
